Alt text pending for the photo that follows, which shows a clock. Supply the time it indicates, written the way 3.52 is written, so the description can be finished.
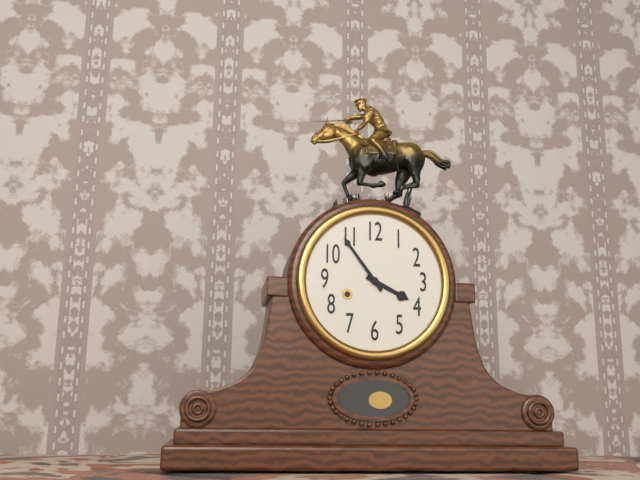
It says 3.54
